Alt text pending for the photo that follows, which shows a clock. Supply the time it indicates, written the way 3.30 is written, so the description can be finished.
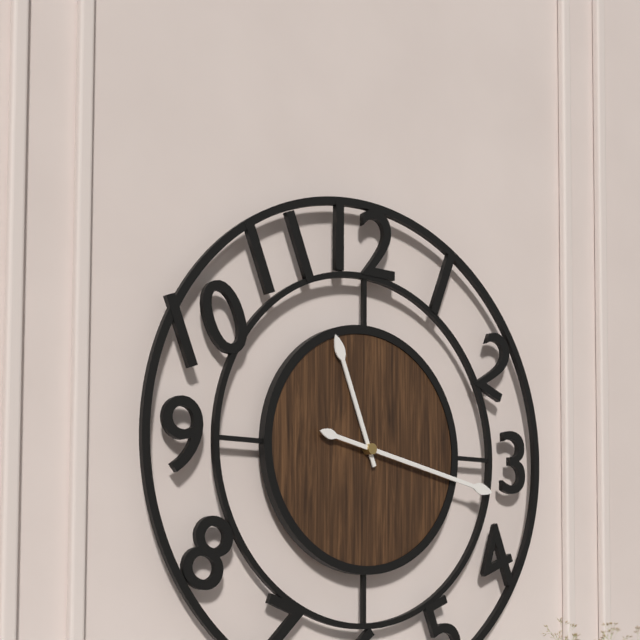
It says 11.17
